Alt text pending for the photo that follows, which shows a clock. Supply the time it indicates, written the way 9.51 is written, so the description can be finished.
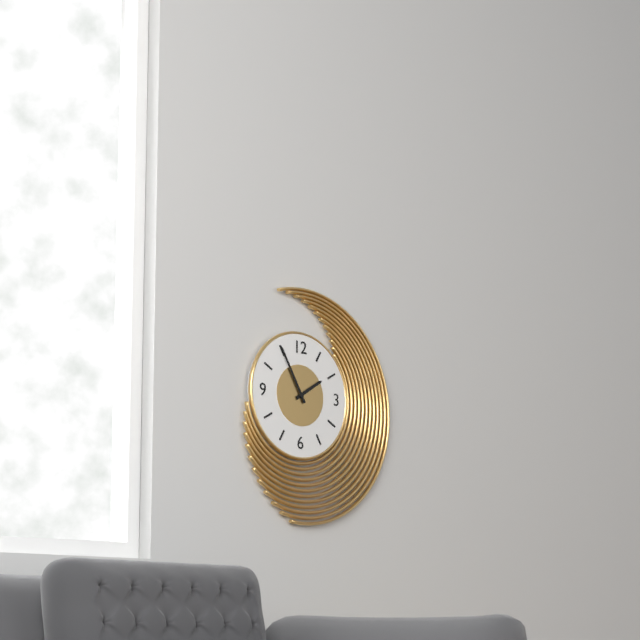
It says 1.55
